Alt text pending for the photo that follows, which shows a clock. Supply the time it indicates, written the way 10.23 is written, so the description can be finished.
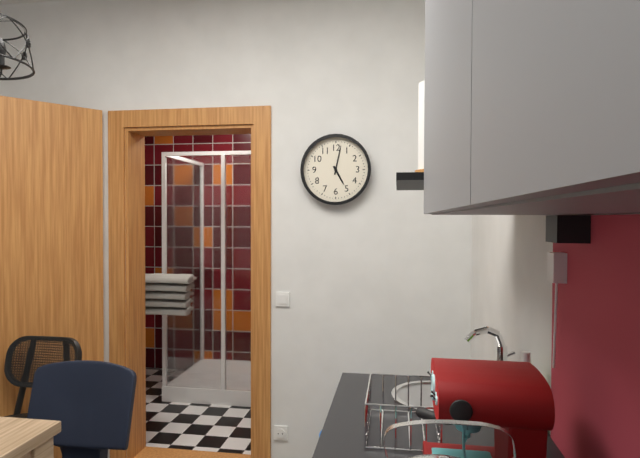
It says 5.02
